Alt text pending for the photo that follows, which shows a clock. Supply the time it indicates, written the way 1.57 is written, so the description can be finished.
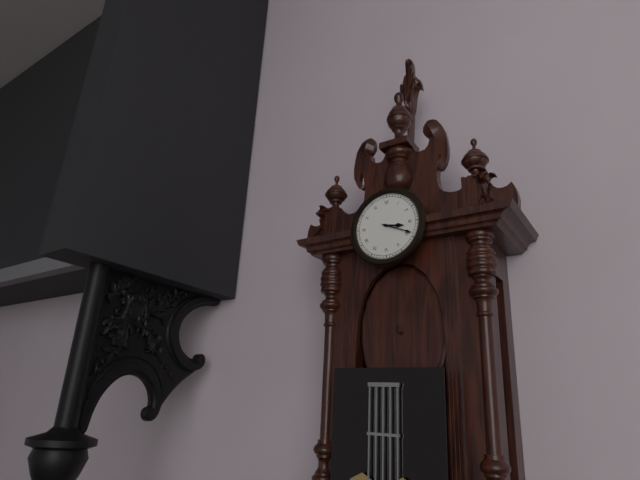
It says 3.19
